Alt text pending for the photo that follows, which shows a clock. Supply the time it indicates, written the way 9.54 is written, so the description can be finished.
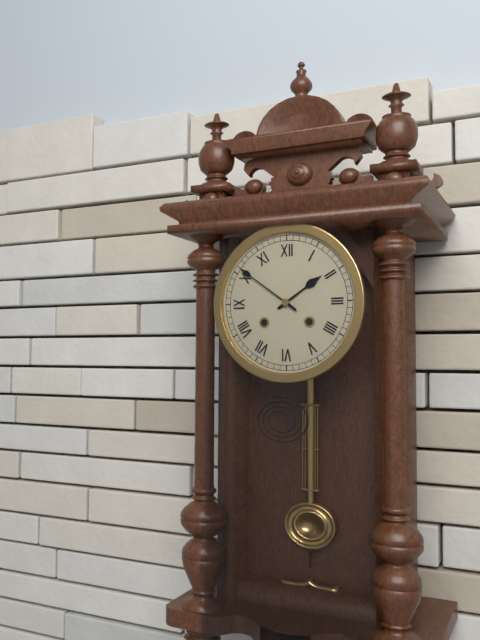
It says 1.51
